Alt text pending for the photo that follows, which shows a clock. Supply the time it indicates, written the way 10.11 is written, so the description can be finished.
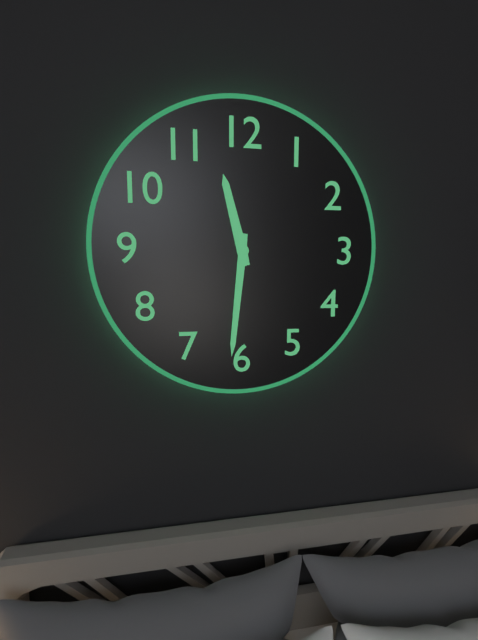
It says 11.31
